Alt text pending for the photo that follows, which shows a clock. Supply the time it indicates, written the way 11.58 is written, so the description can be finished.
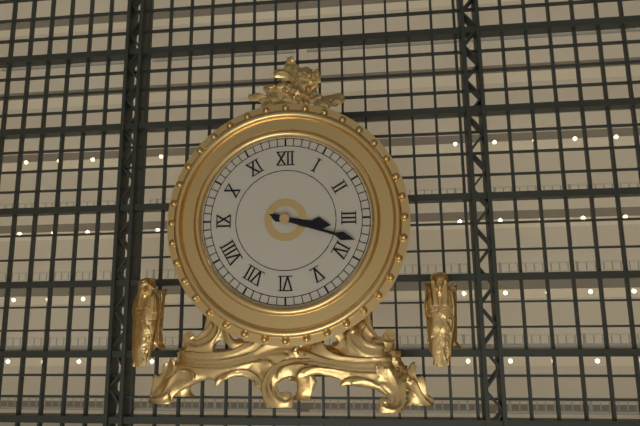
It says 3.18
